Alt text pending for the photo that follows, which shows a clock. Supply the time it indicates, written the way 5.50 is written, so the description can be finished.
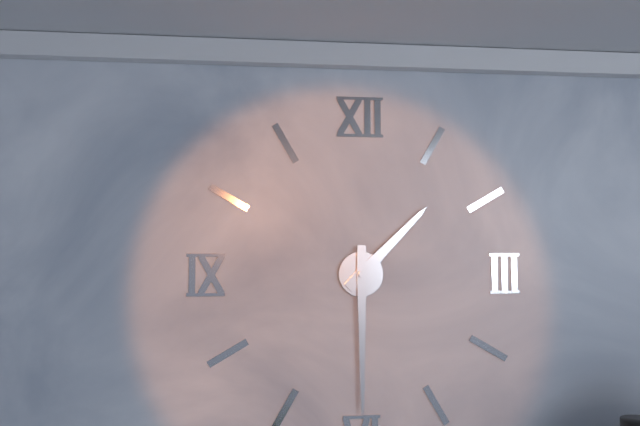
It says 1.30
